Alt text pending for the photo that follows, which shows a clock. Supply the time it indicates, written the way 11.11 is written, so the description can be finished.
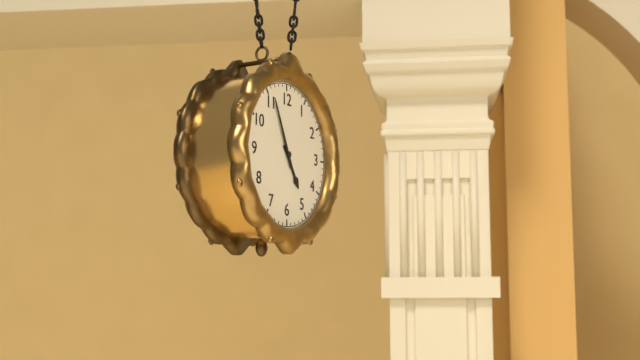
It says 4.56
